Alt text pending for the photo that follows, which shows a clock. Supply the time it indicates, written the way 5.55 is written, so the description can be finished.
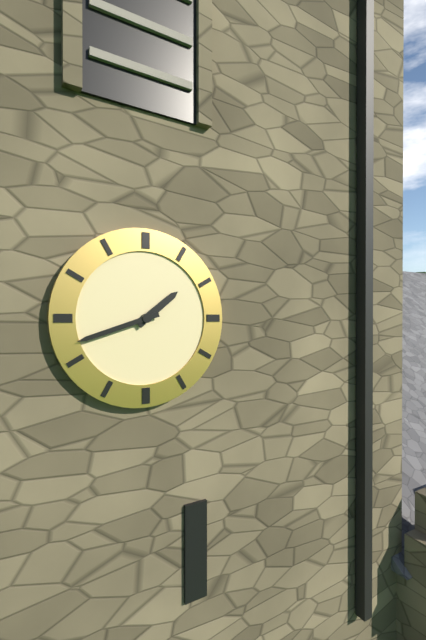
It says 1.42
